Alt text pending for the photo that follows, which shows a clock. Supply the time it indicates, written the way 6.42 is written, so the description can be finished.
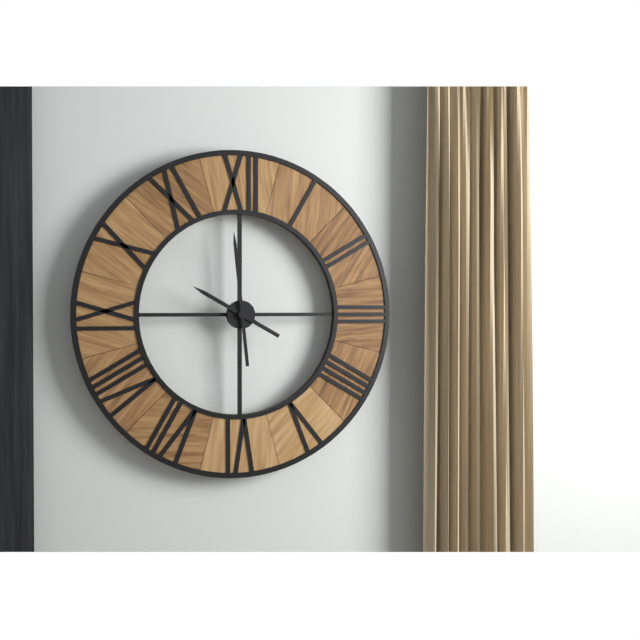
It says 9.59
